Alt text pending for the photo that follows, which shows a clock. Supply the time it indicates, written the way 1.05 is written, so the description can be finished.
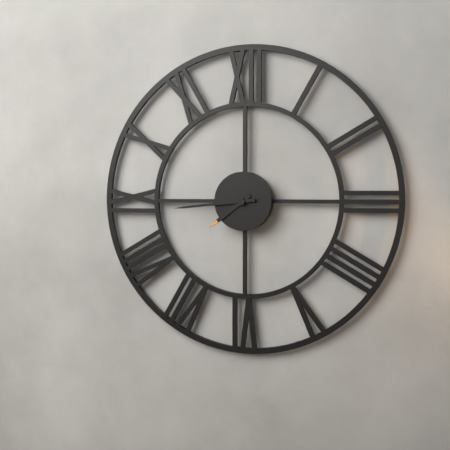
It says 7.44
